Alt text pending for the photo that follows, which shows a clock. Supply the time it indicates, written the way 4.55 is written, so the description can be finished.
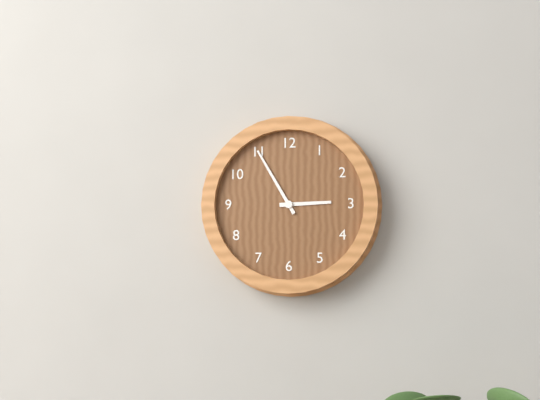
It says 2.55
